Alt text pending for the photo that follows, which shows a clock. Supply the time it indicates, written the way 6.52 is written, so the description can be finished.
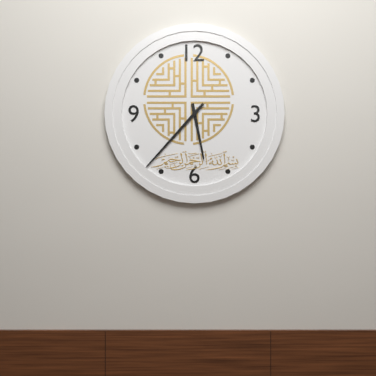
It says 5.37
